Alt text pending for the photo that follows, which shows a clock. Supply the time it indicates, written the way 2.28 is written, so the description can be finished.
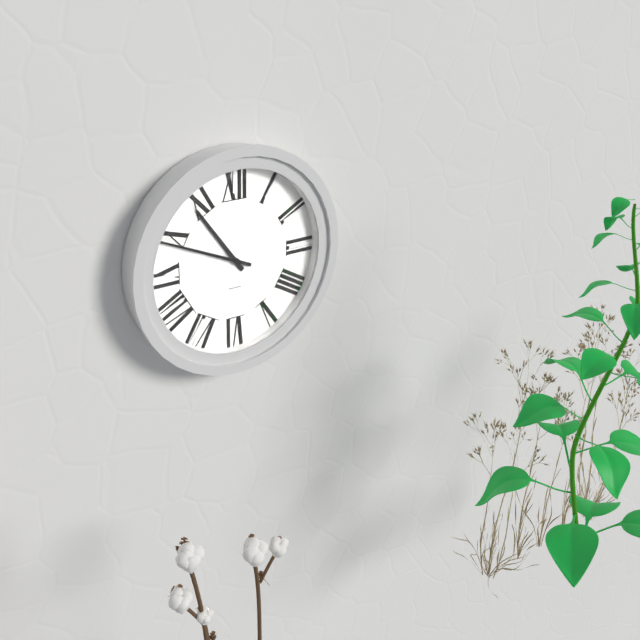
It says 10.49
